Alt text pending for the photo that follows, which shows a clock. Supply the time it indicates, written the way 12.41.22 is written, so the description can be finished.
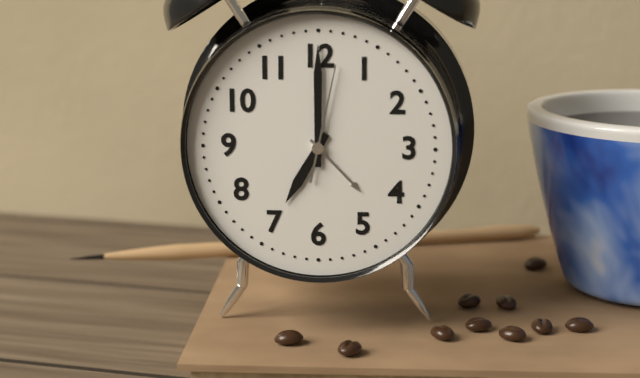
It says 7.00.02
